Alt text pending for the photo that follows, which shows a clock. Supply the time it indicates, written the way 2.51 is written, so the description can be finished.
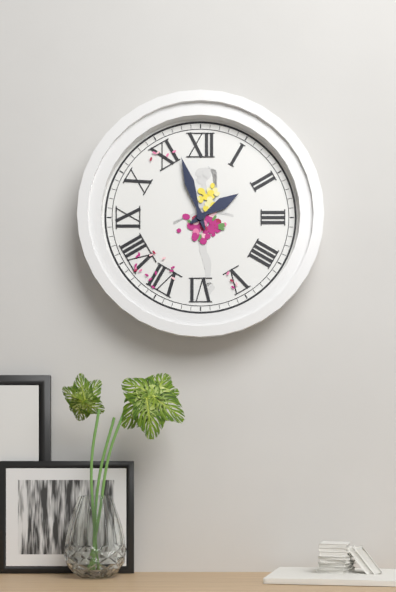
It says 1.57
